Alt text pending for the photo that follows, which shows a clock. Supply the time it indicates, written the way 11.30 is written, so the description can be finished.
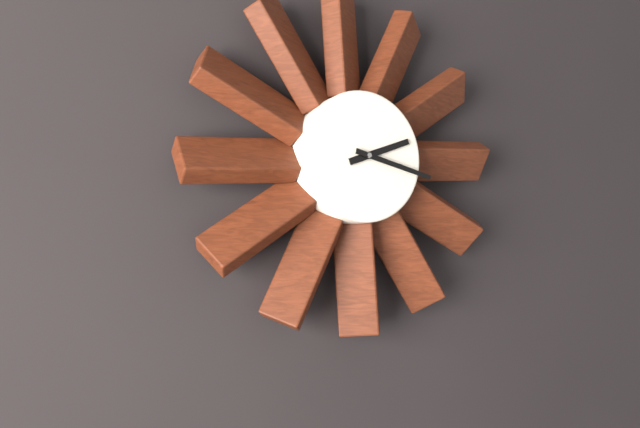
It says 2.17
